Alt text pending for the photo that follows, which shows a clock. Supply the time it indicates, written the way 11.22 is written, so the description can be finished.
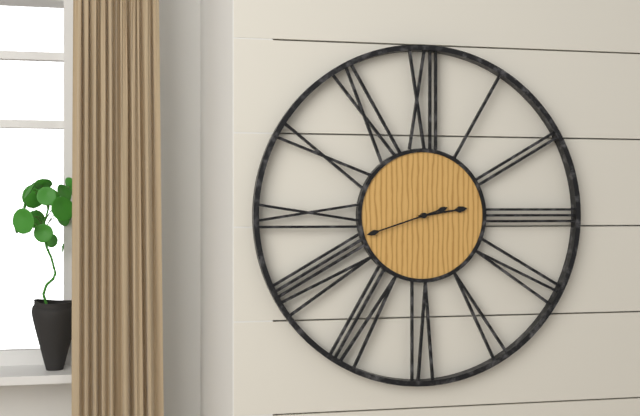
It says 2.42
